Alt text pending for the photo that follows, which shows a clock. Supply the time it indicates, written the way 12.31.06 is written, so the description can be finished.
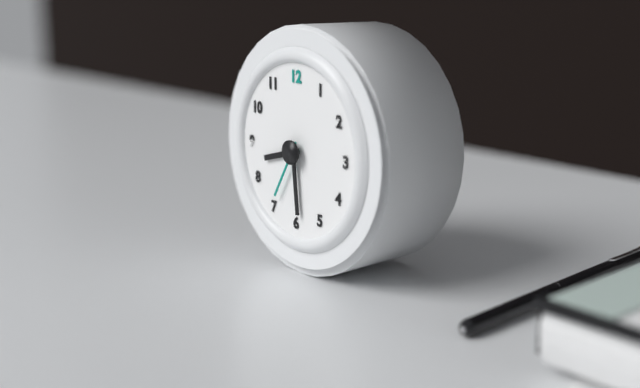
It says 8.29.35
